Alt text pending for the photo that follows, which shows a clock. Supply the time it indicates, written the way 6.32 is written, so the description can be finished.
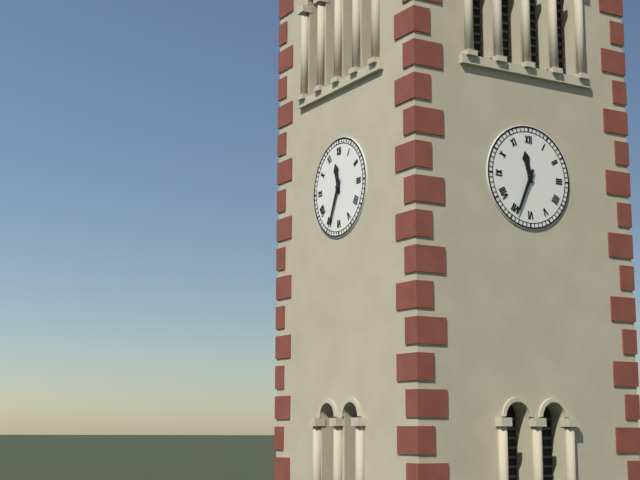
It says 11.34
